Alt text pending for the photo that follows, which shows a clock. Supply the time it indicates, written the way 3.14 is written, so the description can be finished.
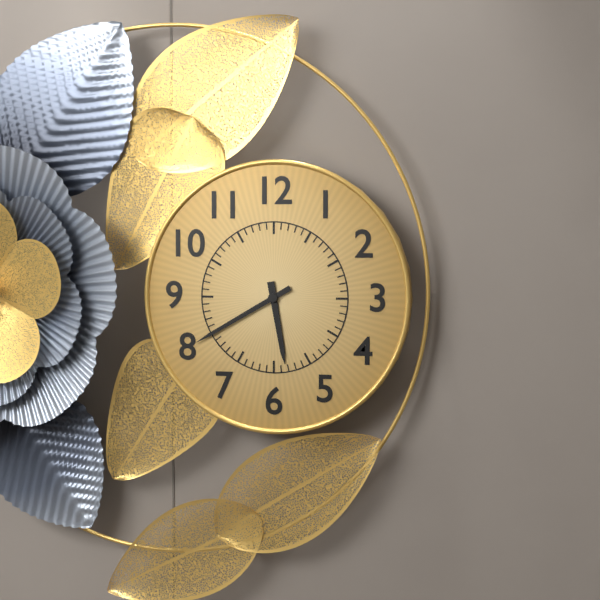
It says 5.40
